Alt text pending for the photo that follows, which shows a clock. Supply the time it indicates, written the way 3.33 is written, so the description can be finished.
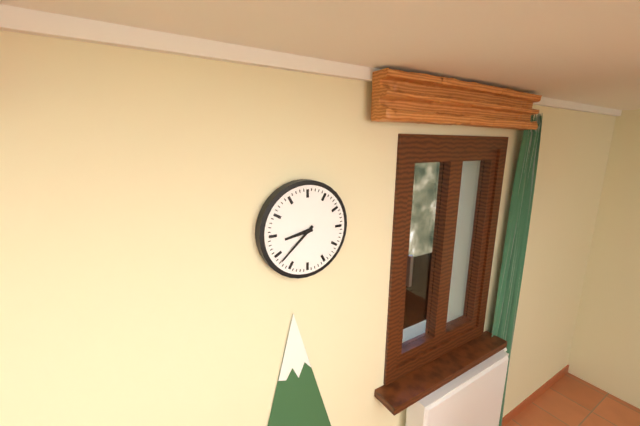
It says 8.38
